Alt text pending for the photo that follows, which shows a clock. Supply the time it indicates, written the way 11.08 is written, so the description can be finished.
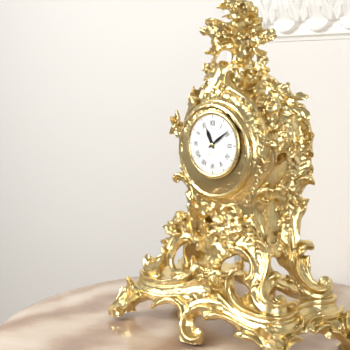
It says 11.09
